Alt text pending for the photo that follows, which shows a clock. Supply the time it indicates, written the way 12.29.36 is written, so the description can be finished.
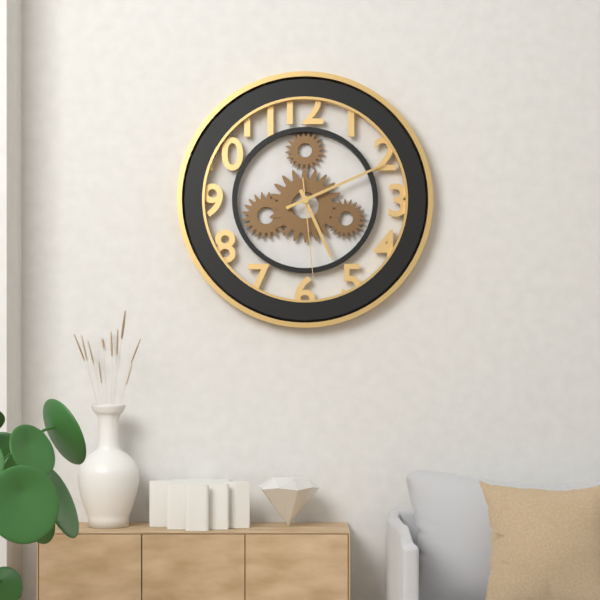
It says 5.11.29
